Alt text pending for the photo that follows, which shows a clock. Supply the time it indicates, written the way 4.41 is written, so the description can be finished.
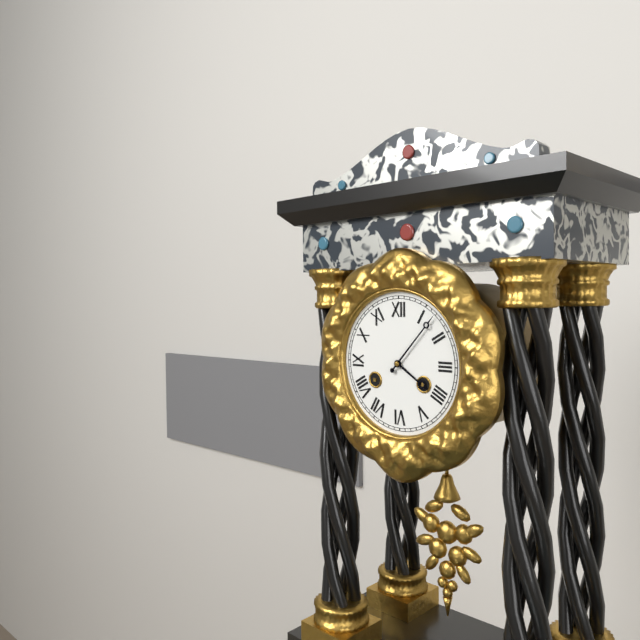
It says 4.07
